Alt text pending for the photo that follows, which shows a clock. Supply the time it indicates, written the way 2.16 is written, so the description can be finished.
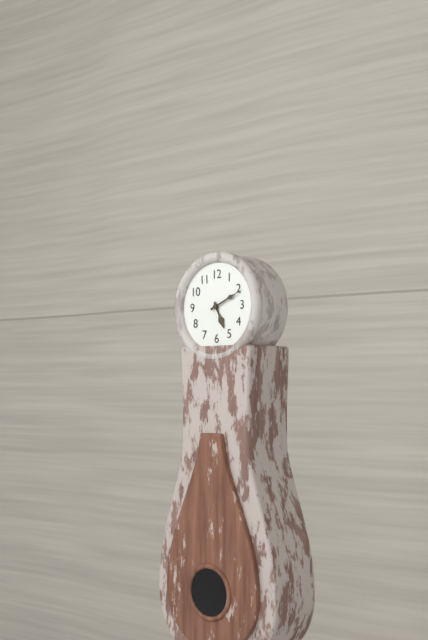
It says 5.11
